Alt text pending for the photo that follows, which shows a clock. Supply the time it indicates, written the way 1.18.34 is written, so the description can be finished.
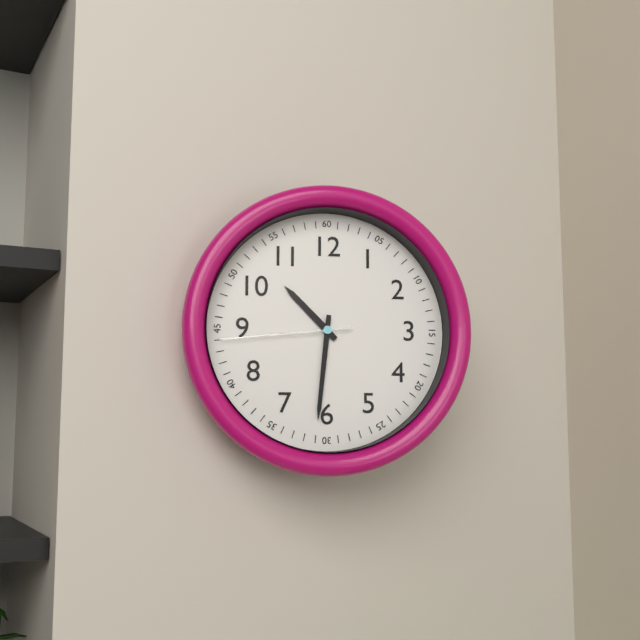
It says 10.31.44
